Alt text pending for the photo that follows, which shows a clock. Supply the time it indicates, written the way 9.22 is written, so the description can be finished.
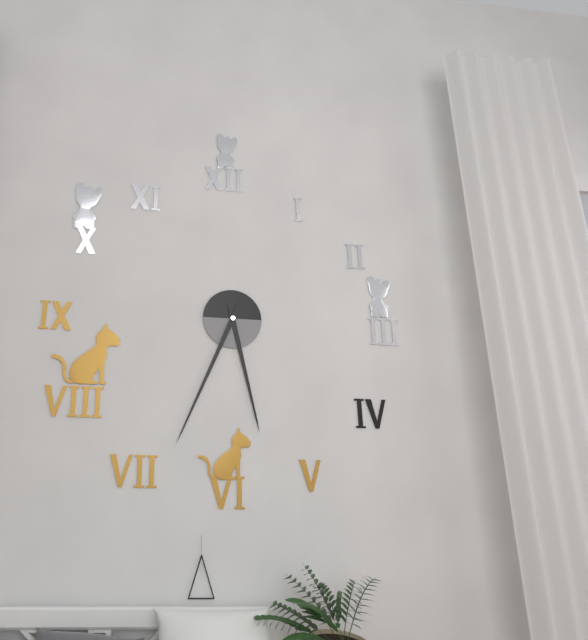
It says 5.34
